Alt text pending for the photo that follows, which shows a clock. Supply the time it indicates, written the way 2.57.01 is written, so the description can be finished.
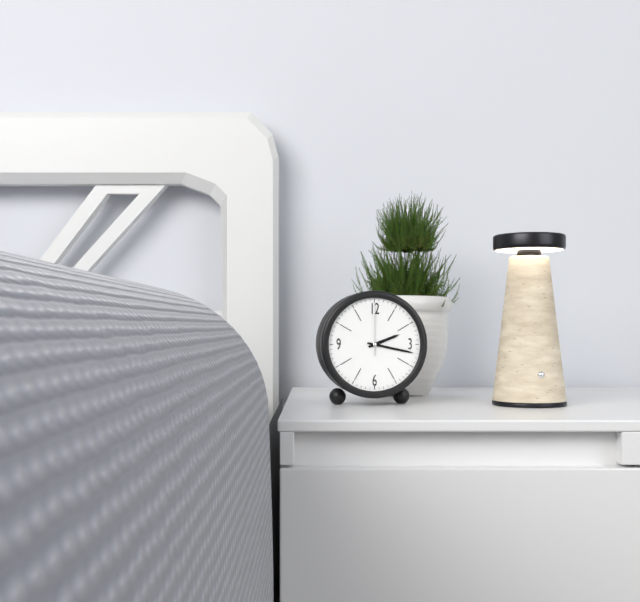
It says 2.17.00
